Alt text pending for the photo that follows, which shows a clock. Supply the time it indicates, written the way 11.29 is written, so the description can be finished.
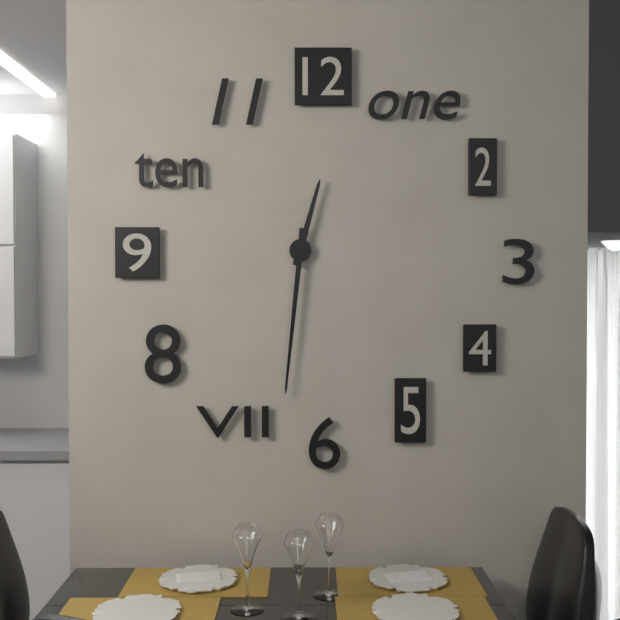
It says 12.31
